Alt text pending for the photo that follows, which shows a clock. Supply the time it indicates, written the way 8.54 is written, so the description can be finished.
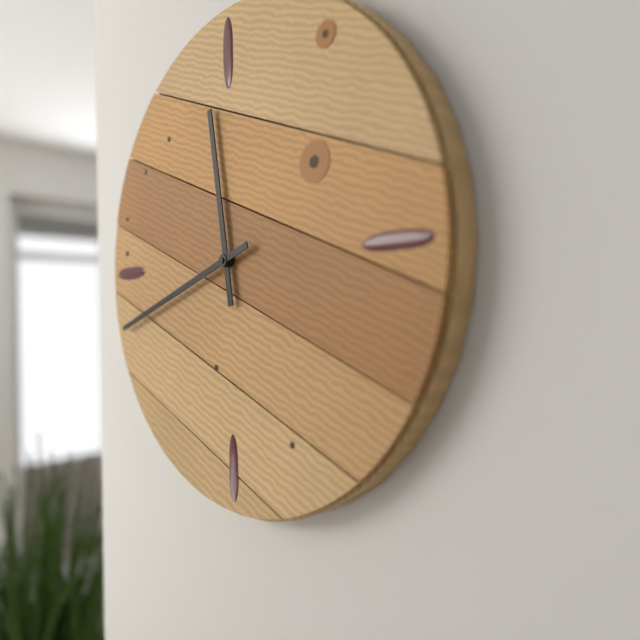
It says 11.42
